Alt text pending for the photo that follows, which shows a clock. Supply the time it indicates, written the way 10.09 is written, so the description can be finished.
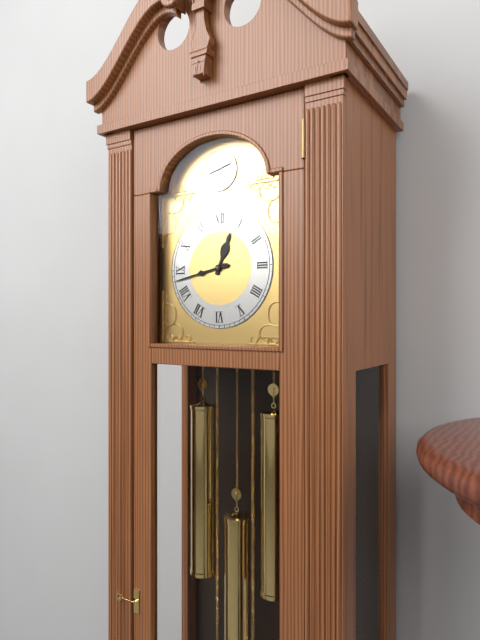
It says 12.43
